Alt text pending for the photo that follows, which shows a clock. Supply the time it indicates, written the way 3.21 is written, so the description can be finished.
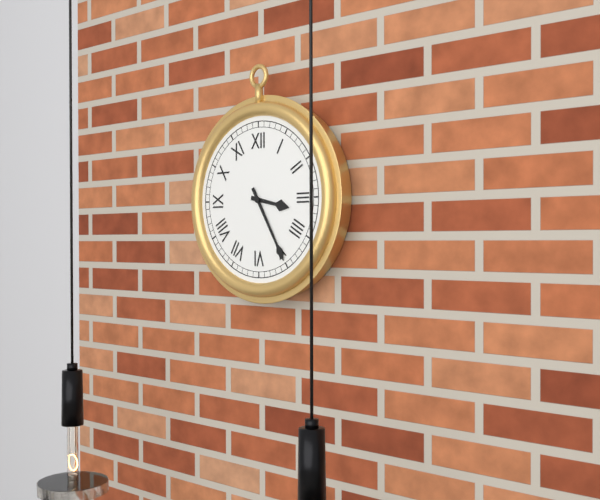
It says 3.25
